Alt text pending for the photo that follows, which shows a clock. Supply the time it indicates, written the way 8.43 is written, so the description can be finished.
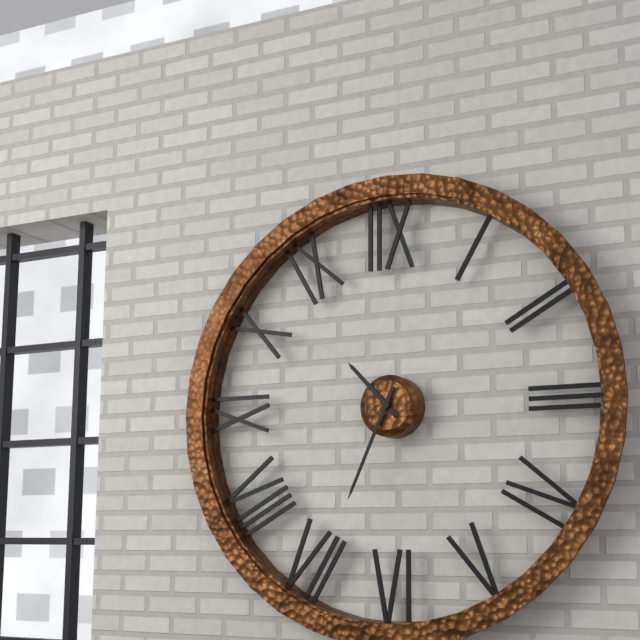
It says 10.34
